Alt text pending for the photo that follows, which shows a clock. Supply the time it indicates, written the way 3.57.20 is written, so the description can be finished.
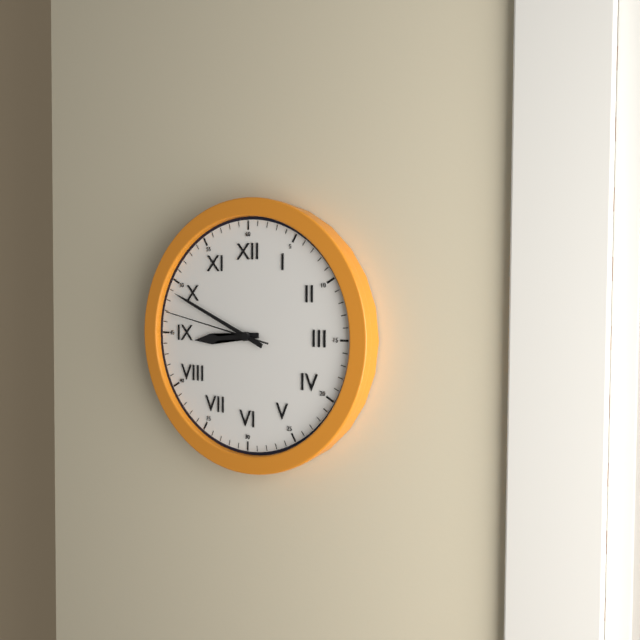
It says 8.49.47
